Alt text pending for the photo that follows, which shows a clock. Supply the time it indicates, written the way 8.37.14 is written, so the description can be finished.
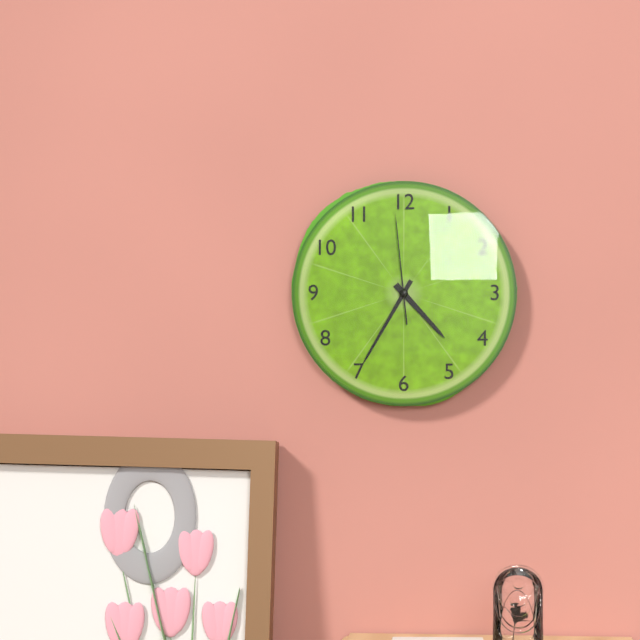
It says 4.35.59
